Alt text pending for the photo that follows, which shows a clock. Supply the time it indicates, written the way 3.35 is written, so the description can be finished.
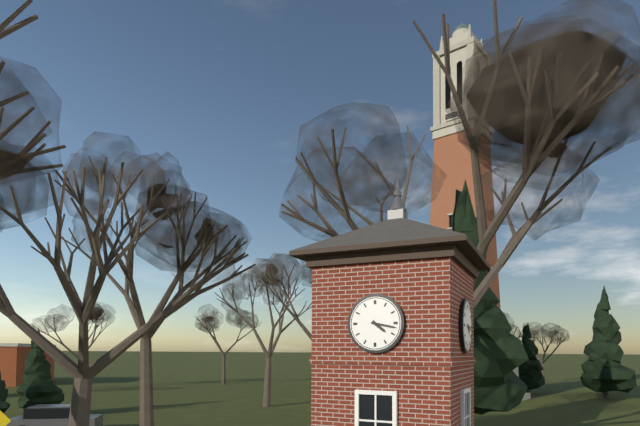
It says 4.17
